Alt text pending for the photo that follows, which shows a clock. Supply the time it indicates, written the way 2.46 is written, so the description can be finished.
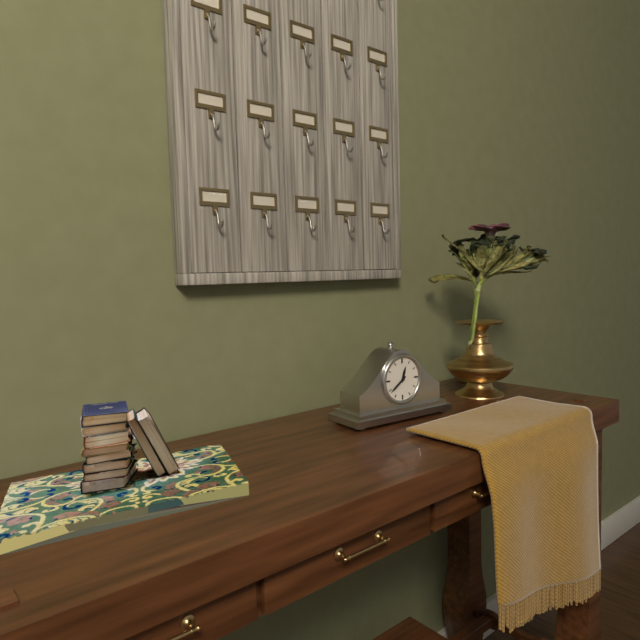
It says 12.39
